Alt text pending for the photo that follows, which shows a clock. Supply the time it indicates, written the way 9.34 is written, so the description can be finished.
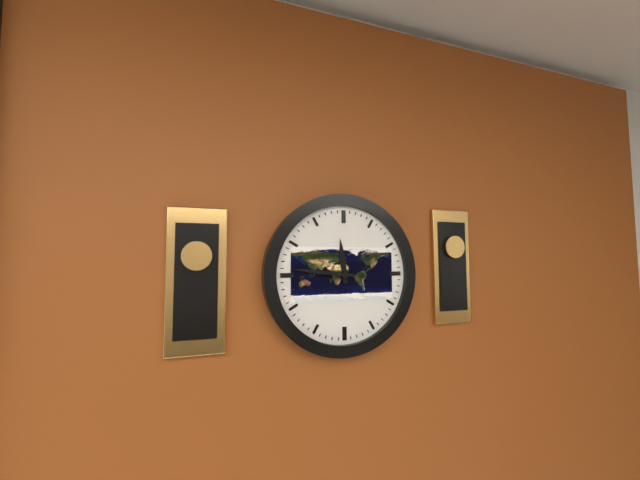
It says 11.46
